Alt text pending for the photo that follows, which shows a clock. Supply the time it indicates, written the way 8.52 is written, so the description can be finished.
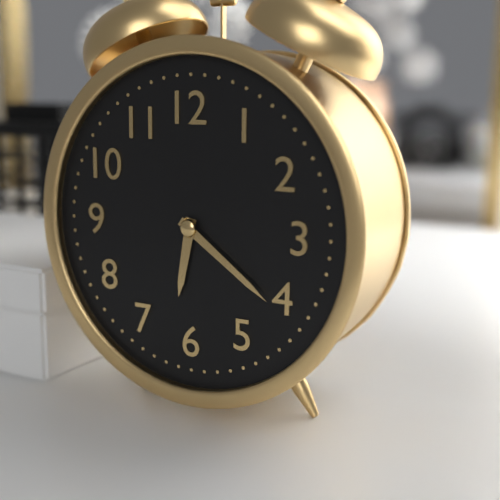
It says 6.21
